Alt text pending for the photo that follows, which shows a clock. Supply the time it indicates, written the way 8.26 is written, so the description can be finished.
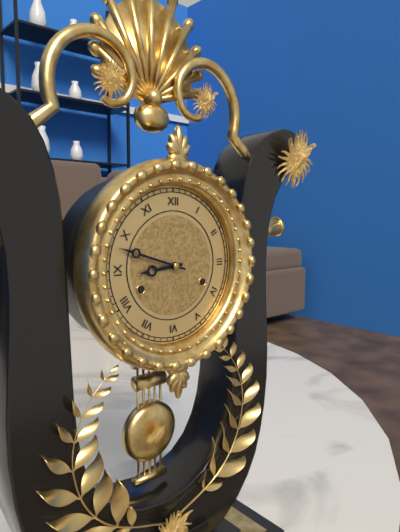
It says 8.48
